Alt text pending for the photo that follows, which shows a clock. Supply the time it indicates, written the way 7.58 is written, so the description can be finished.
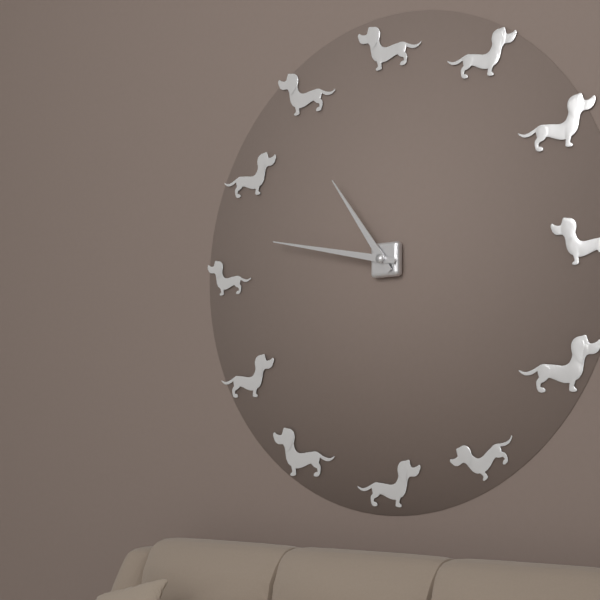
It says 10.47
